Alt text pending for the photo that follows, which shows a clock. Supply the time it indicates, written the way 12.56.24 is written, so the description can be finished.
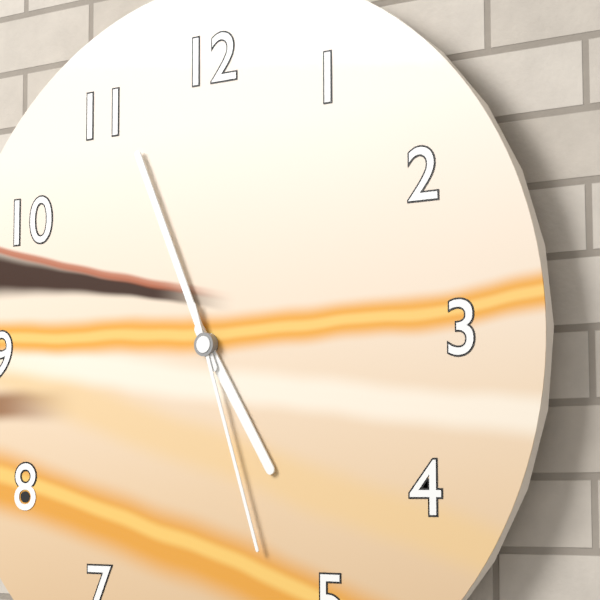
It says 4.56.27
